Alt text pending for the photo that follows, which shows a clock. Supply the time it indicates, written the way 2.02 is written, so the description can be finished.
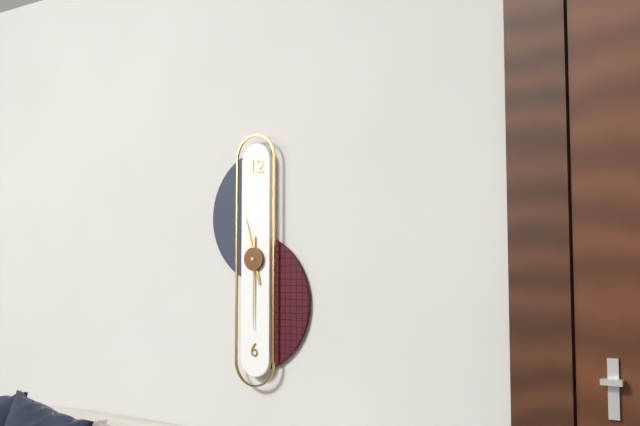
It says 11.30
